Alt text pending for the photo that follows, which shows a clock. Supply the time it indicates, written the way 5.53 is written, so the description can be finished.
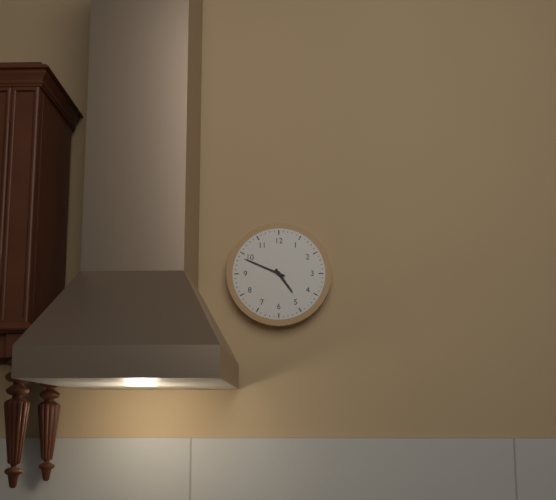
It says 4.49
